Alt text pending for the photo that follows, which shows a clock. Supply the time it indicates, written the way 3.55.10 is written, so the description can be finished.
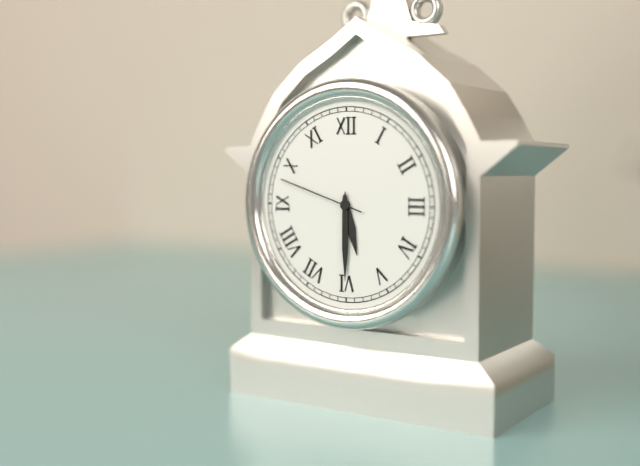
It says 5.30.48
